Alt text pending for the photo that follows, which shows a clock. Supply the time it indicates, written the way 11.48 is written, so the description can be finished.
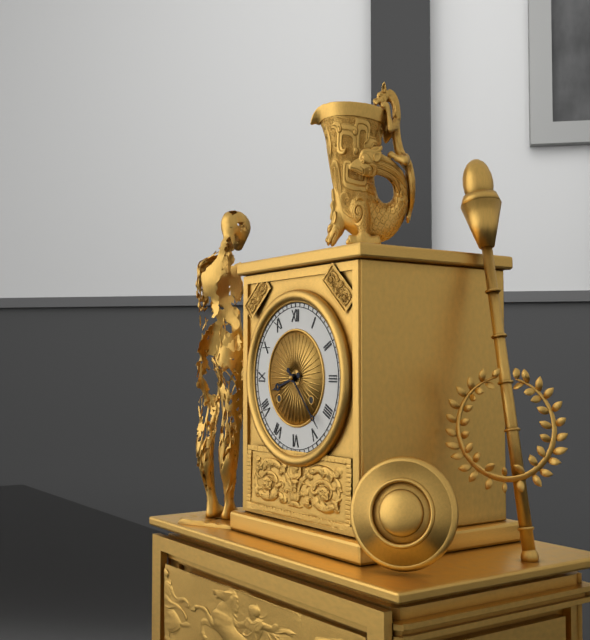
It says 8.23
